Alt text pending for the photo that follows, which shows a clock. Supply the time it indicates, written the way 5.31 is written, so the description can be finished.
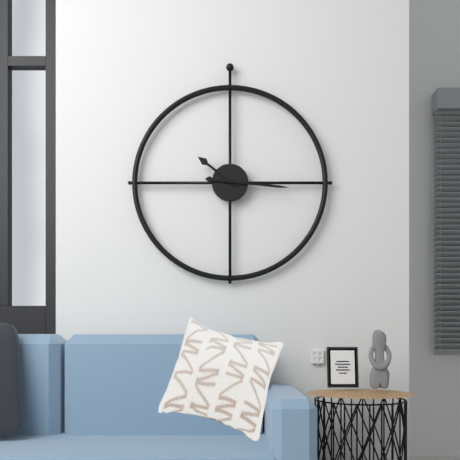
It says 10.16
